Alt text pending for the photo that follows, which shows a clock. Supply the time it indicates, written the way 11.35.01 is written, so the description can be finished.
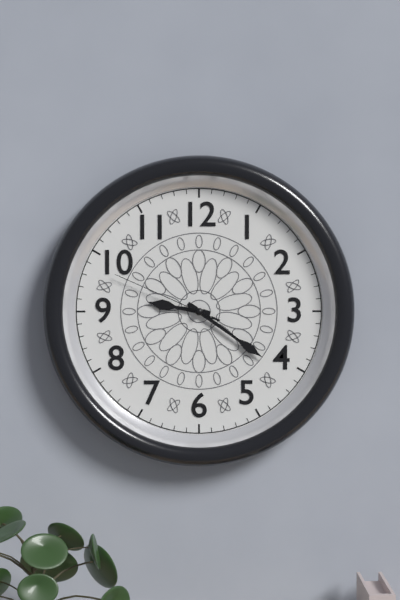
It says 9.21.49
